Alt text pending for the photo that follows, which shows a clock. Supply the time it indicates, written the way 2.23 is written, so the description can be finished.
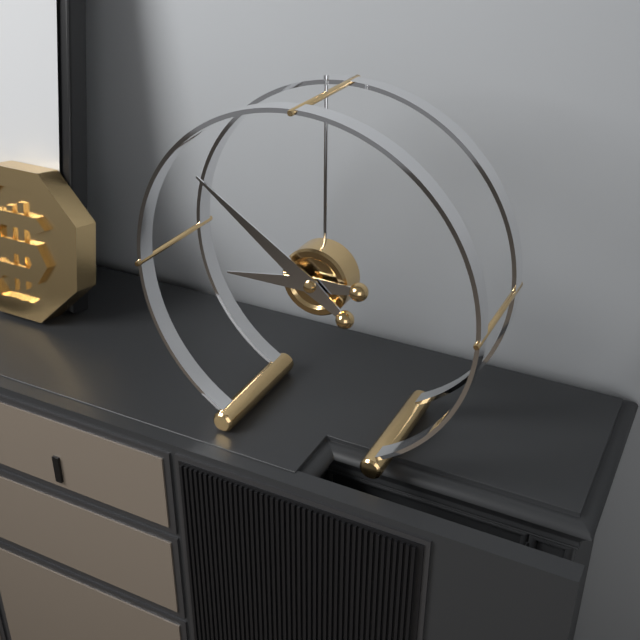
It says 8.51
